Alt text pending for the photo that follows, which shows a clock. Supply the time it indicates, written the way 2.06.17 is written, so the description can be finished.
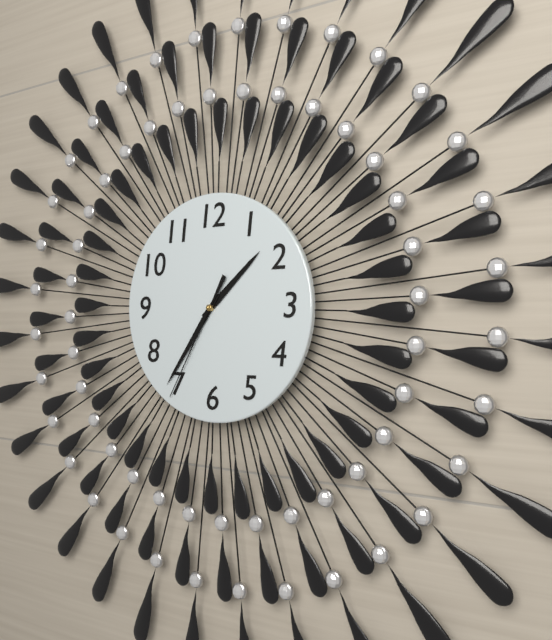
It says 1.36.35
